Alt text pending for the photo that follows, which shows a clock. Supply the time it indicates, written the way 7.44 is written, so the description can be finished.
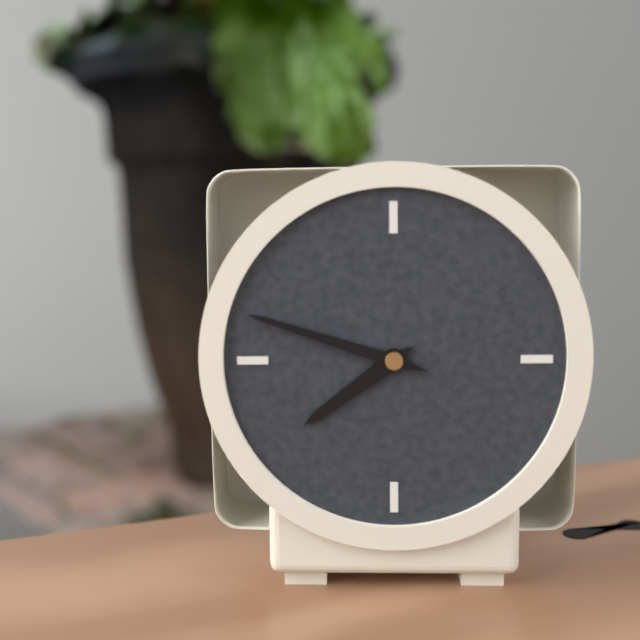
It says 7.48
